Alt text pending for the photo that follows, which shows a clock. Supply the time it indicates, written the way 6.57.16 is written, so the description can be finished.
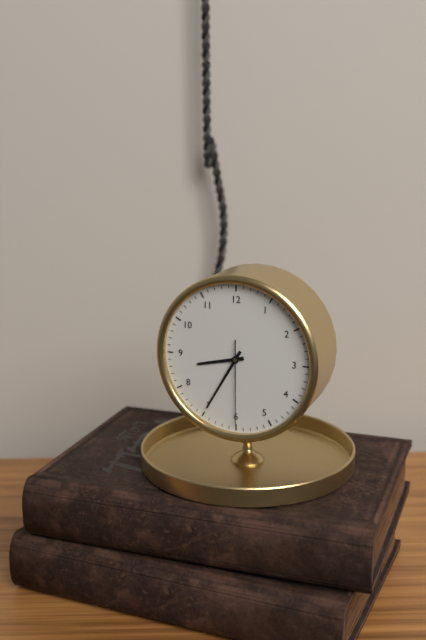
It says 8.35.30
